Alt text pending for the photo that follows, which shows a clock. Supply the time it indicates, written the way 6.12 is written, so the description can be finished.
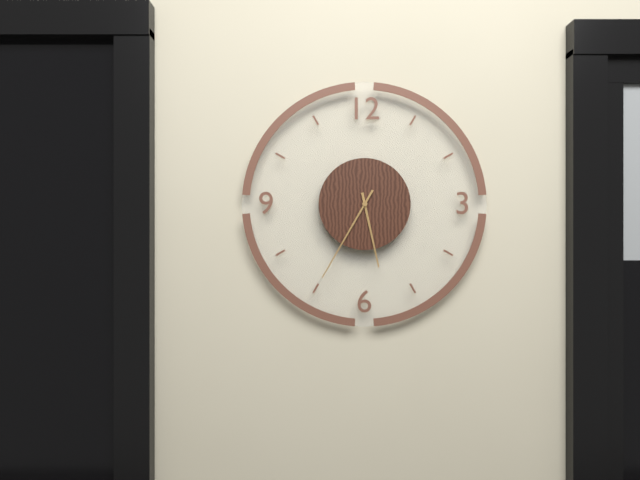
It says 5.35
